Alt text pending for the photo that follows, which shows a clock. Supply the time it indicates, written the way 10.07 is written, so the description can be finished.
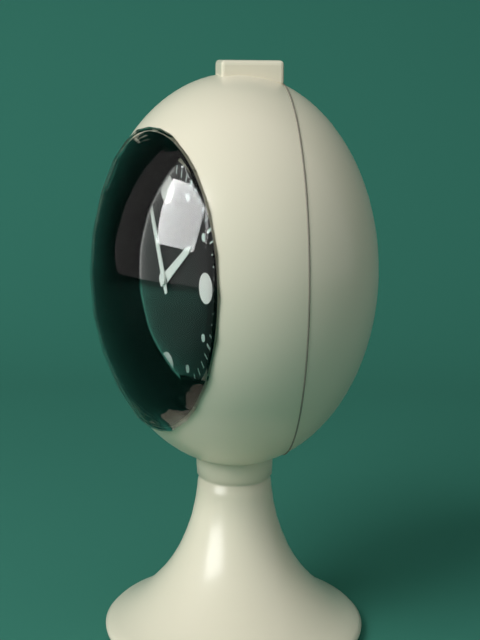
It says 1.56
